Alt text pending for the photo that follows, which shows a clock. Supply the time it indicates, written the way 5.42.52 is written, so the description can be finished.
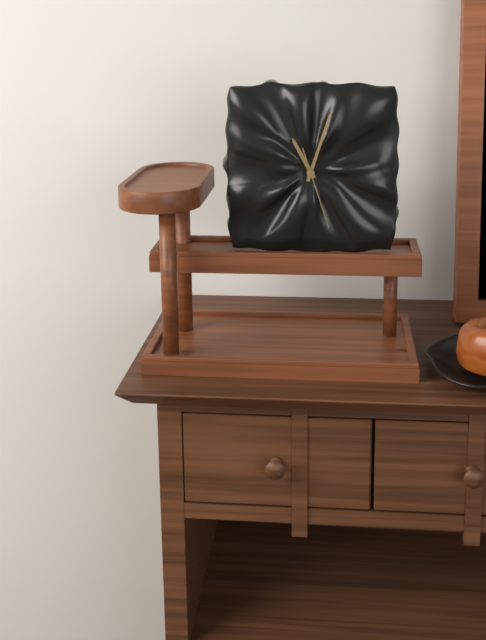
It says 11.03.27
